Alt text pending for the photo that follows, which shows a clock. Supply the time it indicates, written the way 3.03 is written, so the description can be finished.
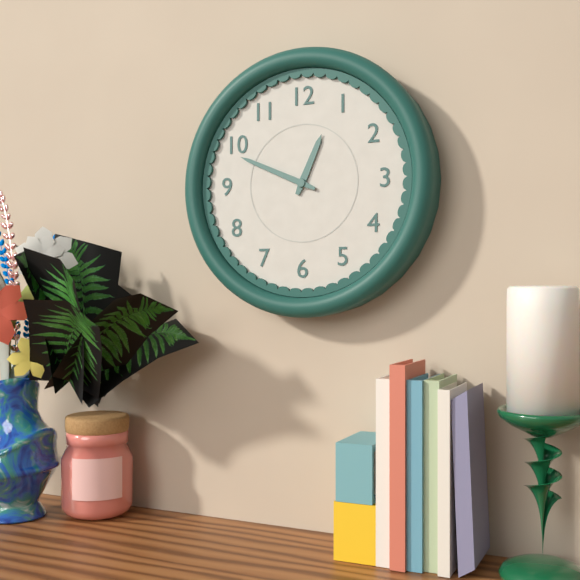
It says 12.49
